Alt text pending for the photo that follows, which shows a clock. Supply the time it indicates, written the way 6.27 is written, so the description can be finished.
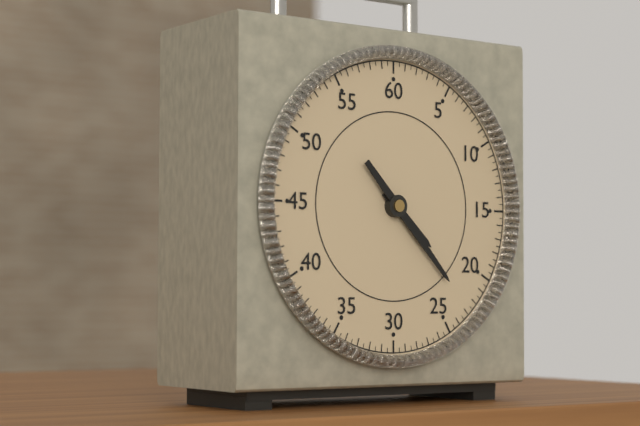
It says 4.23
